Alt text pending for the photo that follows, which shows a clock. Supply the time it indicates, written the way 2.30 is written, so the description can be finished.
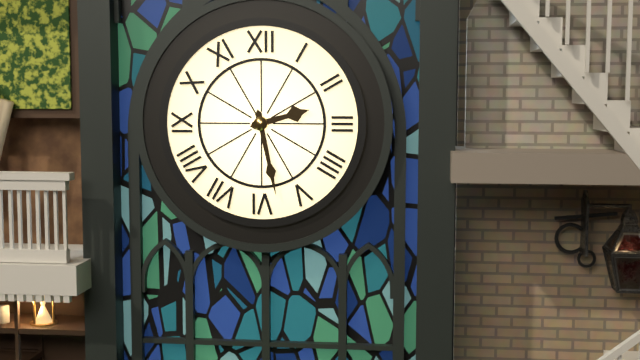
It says 2.28
